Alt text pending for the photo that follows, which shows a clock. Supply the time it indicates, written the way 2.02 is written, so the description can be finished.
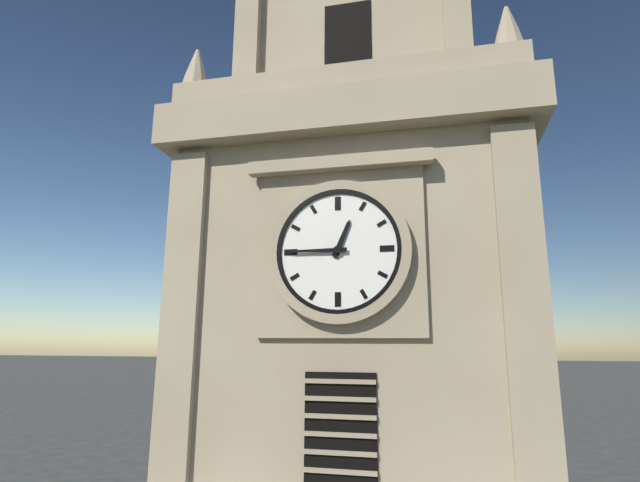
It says 12.45
